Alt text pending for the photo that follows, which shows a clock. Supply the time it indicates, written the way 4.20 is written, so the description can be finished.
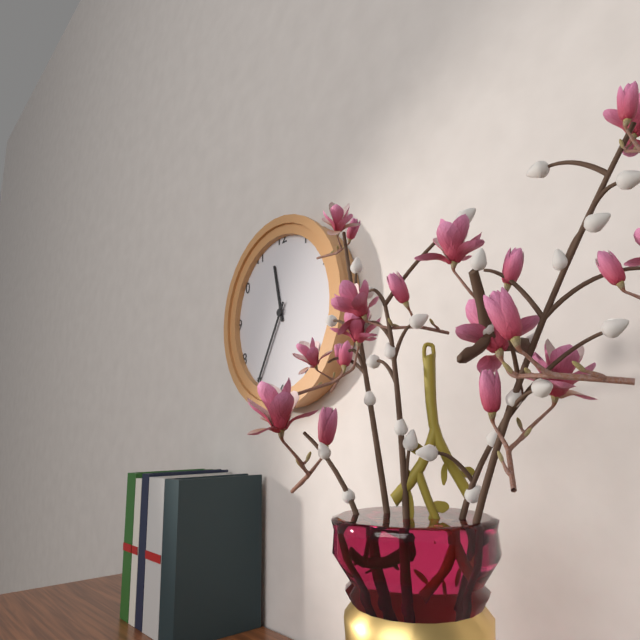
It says 11.35
